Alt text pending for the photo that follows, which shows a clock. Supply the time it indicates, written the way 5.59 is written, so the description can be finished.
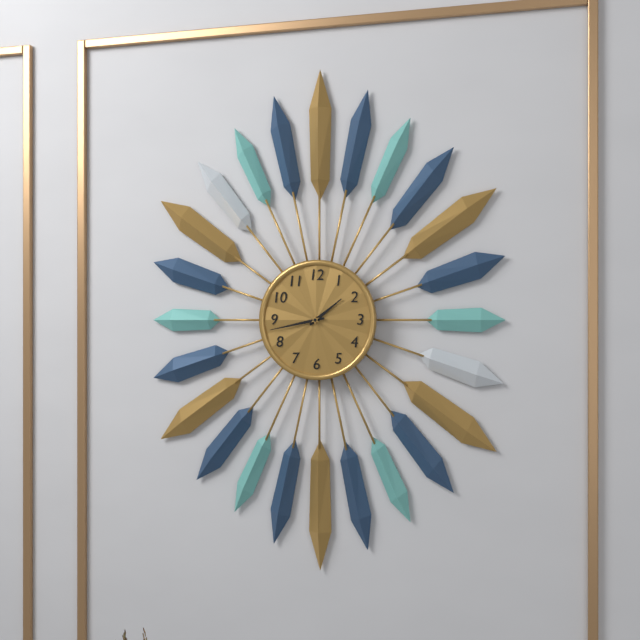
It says 1.43
